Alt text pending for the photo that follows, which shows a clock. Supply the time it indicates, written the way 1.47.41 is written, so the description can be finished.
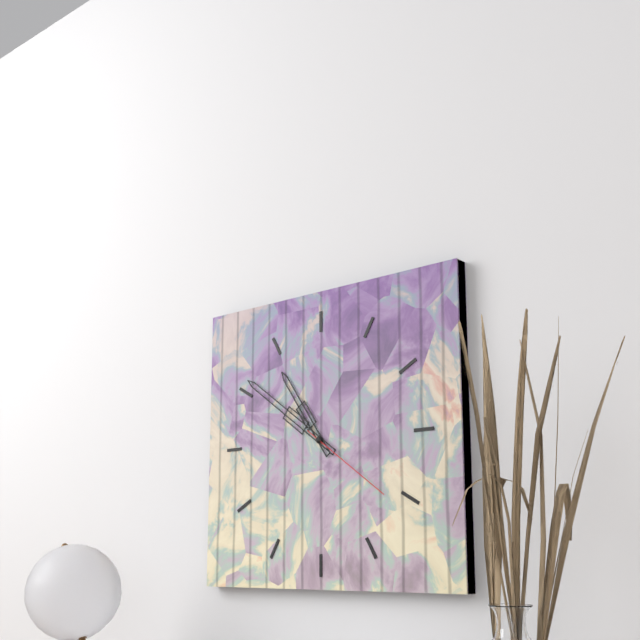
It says 10.51.21
